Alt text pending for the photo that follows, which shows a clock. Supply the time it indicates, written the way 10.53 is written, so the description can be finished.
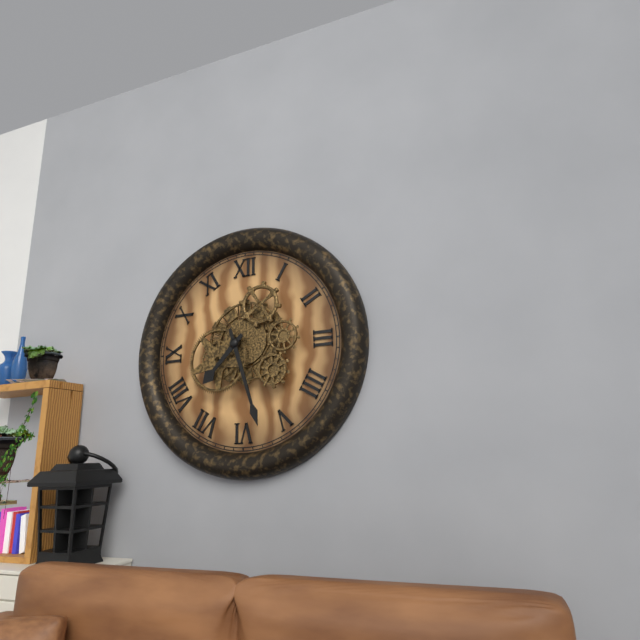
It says 7.27
